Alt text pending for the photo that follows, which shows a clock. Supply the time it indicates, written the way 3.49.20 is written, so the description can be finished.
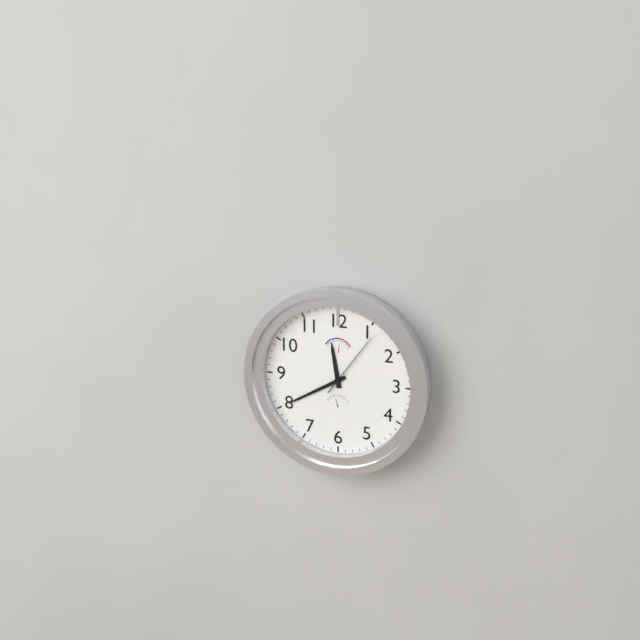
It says 11.40.06
